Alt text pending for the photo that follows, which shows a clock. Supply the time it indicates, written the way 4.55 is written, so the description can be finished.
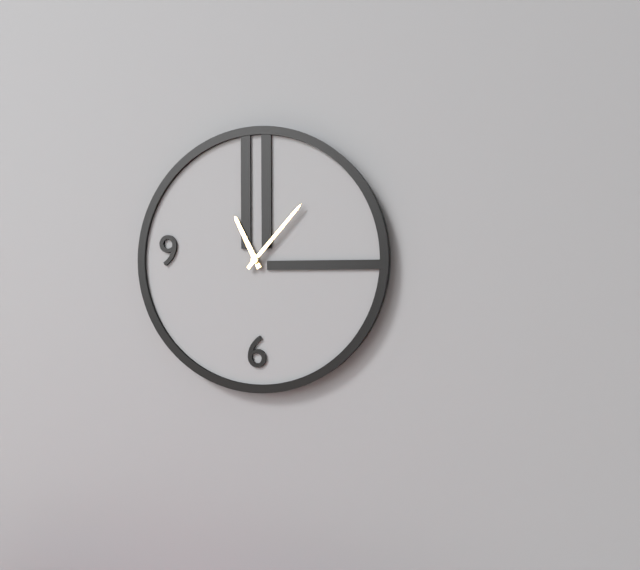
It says 11.07
